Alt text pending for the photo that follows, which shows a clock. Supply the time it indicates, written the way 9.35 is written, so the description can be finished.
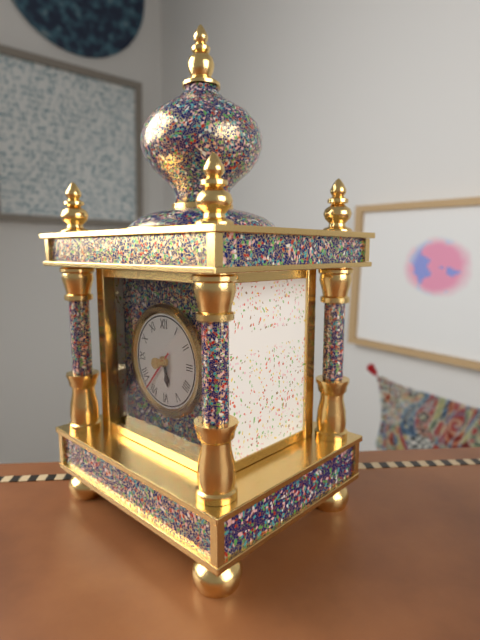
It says 5.37
